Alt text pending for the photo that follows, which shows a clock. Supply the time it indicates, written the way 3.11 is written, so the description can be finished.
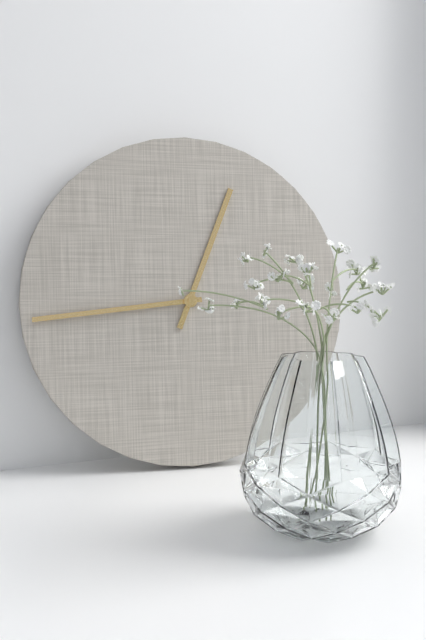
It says 12.44
